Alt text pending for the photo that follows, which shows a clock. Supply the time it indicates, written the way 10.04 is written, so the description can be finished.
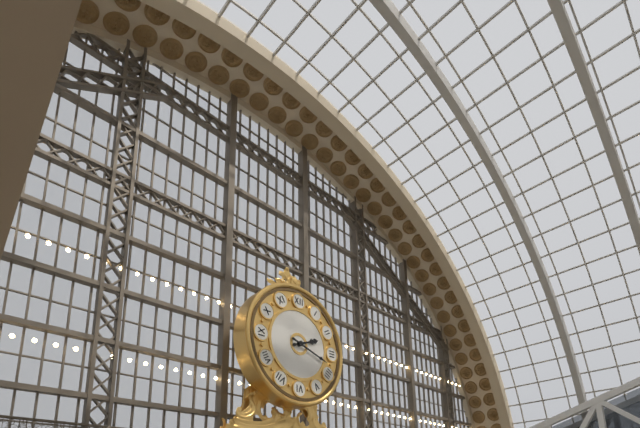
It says 2.18
